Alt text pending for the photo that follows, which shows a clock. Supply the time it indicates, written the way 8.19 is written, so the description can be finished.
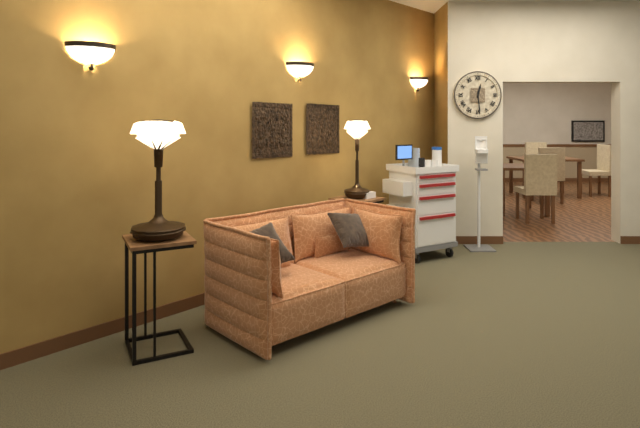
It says 12.29
